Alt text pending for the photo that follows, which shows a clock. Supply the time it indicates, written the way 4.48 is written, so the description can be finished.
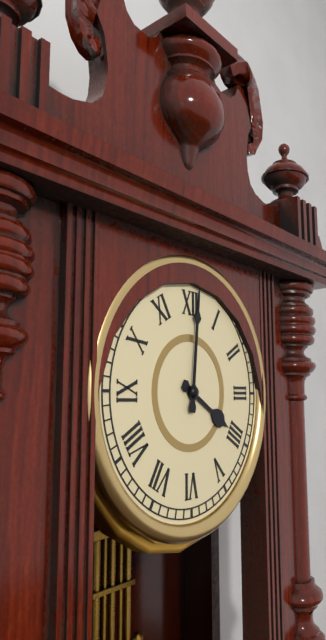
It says 4.01
